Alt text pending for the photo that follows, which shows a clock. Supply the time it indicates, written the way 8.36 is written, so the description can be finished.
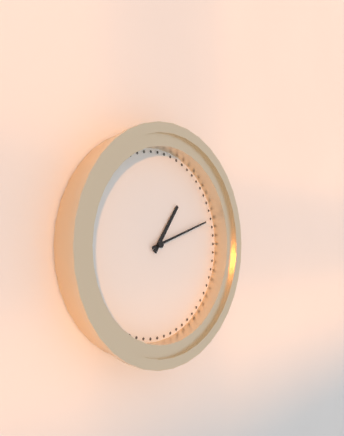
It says 1.12
